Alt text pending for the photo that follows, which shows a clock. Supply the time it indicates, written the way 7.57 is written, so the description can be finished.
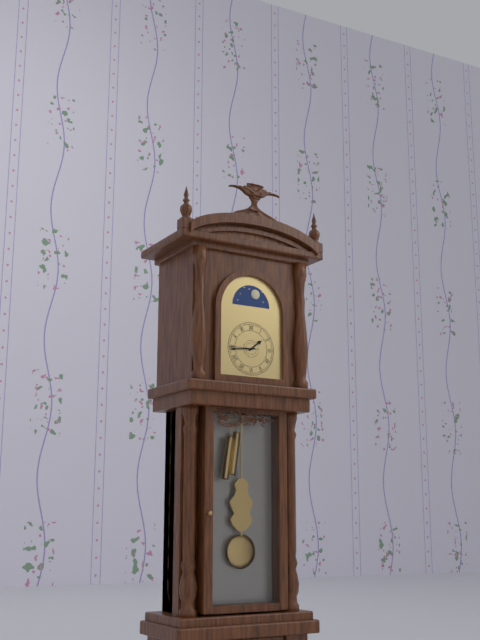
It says 1.44
